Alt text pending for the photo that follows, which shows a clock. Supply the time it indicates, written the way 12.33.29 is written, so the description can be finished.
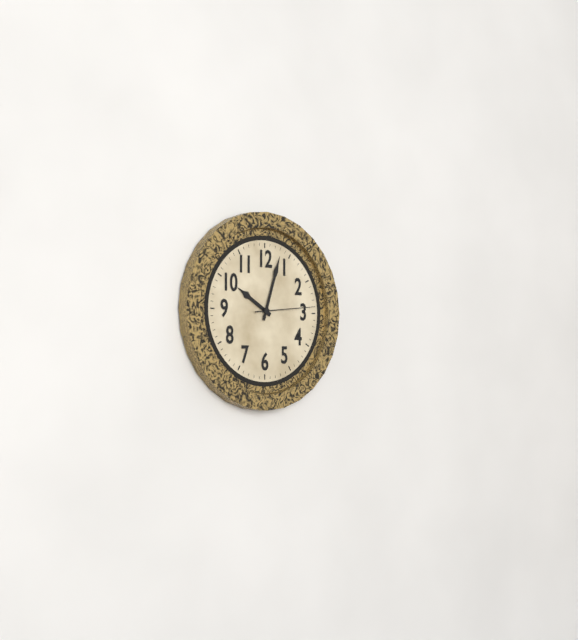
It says 10.03.14
